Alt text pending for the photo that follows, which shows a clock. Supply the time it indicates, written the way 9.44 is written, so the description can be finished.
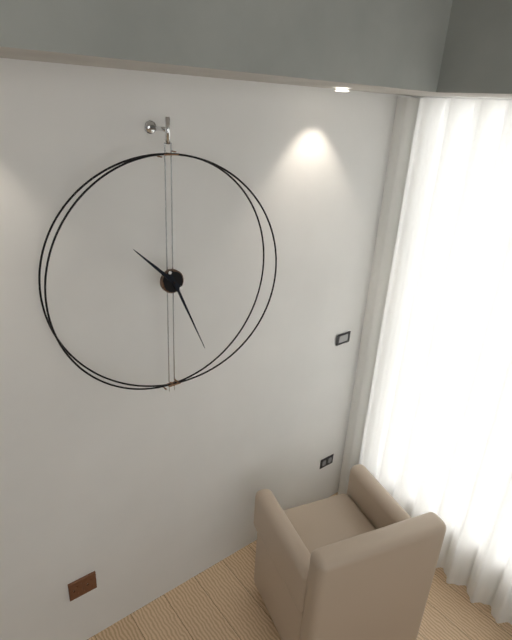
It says 10.26
